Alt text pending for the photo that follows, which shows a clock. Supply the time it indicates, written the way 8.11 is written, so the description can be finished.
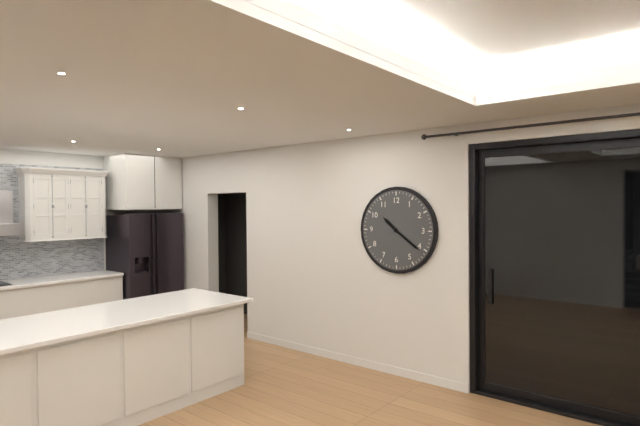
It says 10.21
